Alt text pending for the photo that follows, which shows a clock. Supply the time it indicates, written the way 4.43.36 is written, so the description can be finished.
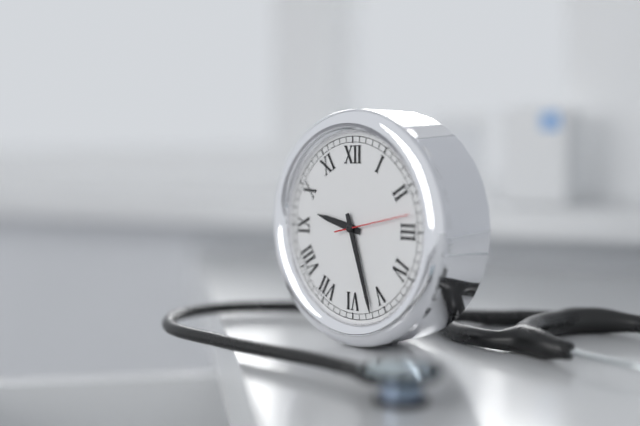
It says 9.27.13
